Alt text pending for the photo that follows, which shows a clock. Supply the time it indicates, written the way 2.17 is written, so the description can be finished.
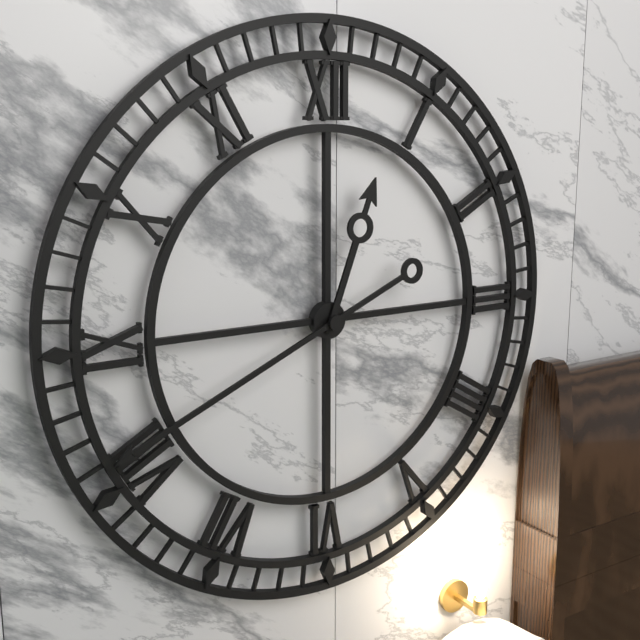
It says 12.41
